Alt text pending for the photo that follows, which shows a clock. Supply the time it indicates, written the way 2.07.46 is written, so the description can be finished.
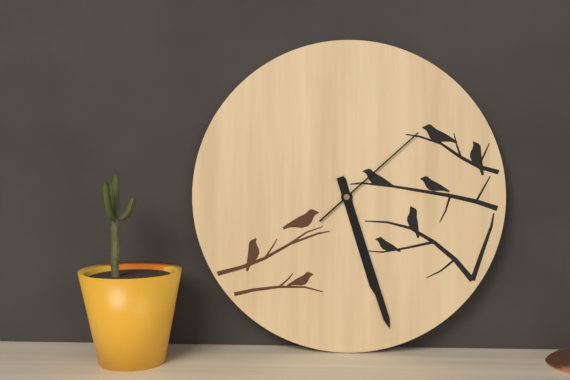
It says 5.27.08
